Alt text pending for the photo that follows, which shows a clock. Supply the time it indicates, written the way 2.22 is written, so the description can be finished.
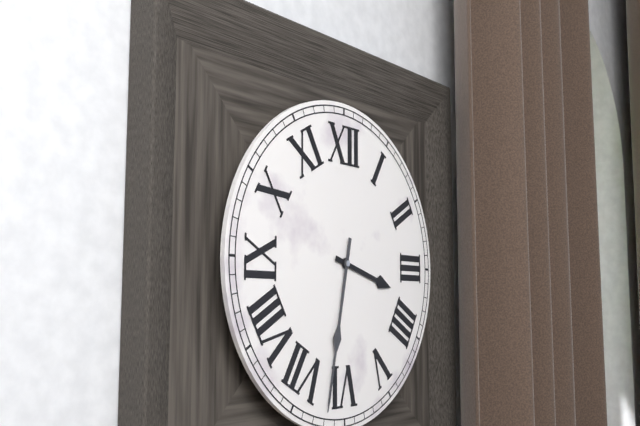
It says 3.32
